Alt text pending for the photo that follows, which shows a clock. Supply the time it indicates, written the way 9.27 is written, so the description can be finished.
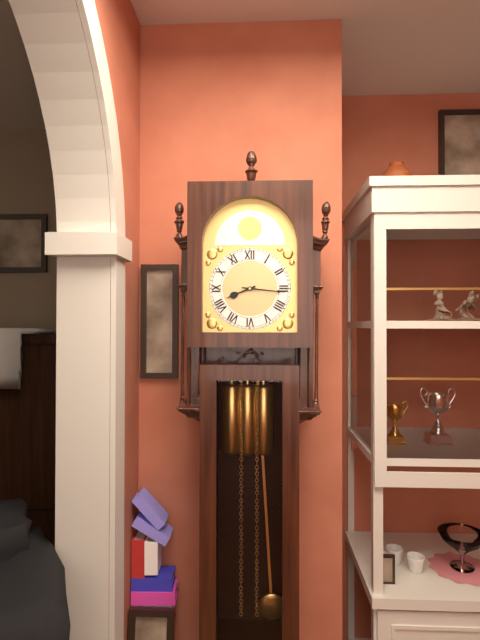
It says 8.16
